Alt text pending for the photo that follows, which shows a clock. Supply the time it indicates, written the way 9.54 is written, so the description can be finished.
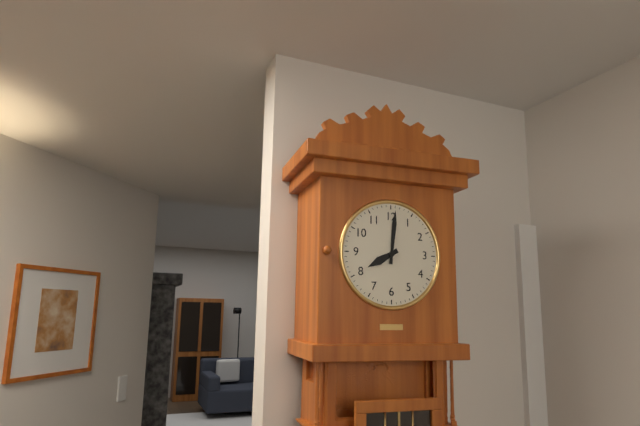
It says 8.01
